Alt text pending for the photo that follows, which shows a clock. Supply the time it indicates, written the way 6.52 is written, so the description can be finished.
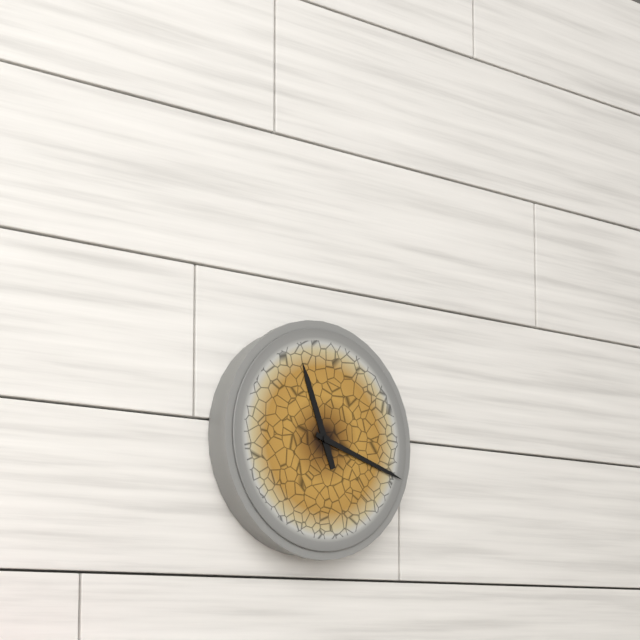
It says 11.18
